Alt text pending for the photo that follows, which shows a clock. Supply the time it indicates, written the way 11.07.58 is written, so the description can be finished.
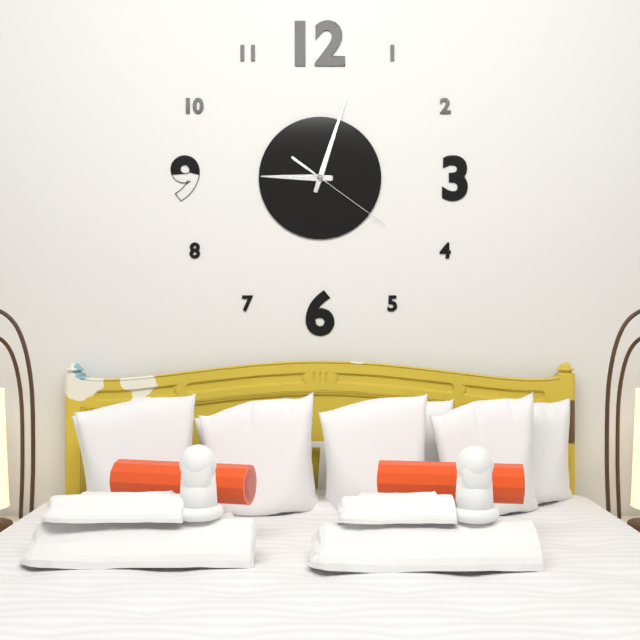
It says 9.03.21
